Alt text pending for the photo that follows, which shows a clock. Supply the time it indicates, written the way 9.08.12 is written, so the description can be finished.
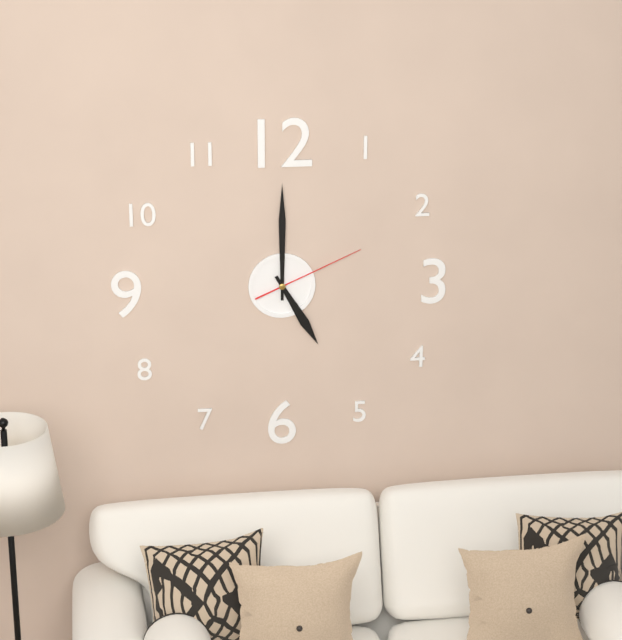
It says 5.00.11
